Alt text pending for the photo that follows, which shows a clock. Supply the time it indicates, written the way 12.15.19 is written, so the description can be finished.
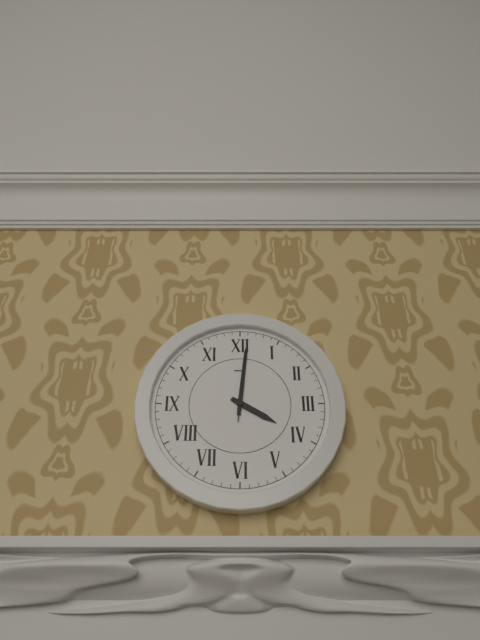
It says 4.01.01
